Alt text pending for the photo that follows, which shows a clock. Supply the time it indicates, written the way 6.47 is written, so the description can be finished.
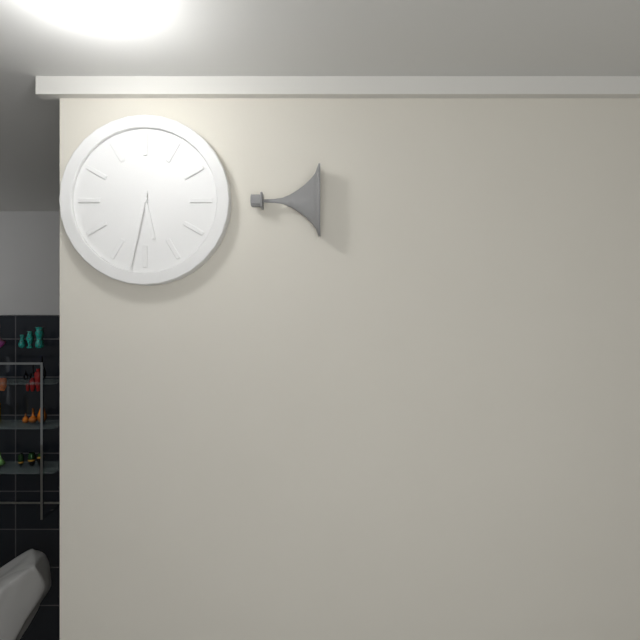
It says 5.32
